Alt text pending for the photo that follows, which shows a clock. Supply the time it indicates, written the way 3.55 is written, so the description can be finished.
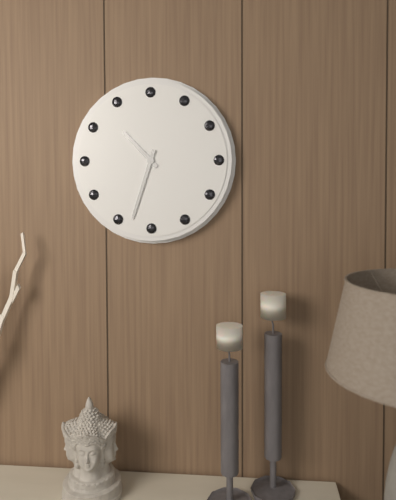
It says 10.33
